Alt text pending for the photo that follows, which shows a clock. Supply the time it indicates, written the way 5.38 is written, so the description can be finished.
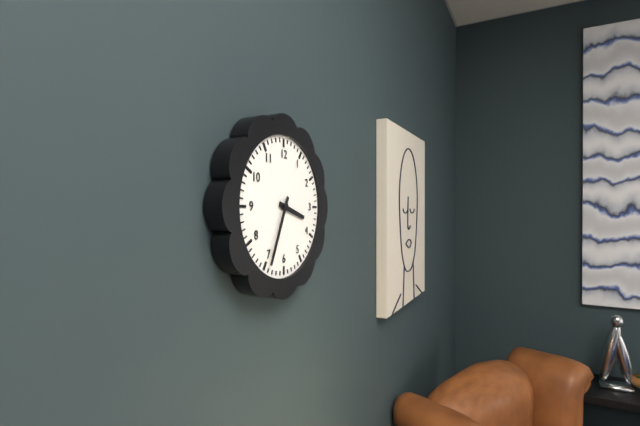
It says 3.34
